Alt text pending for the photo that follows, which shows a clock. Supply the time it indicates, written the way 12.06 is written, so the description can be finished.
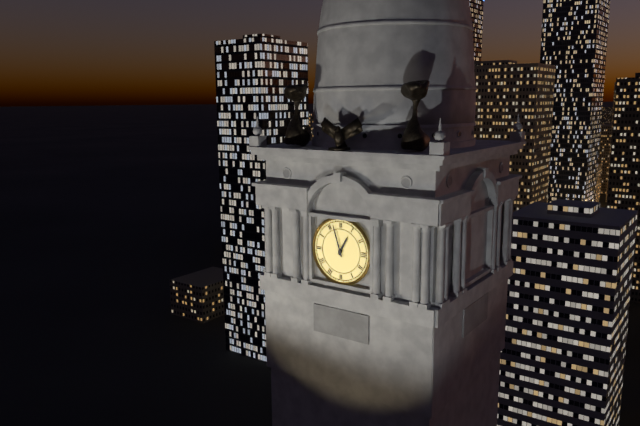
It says 12.57
